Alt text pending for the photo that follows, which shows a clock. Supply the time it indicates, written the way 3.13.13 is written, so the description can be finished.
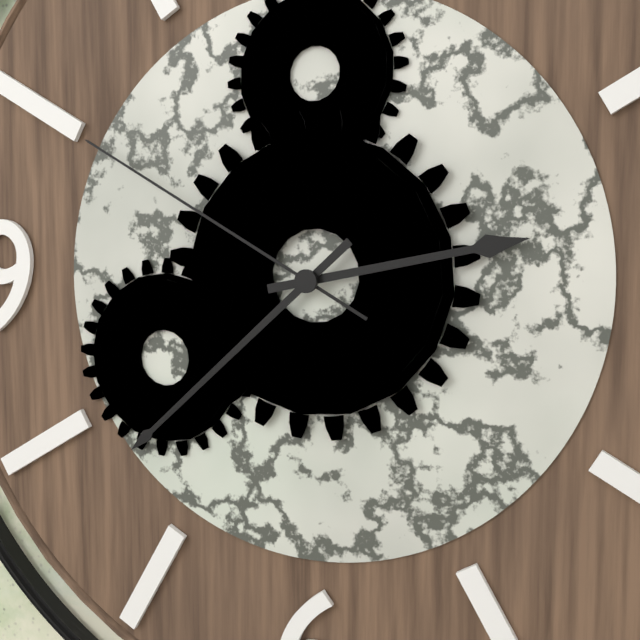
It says 2.38.50
